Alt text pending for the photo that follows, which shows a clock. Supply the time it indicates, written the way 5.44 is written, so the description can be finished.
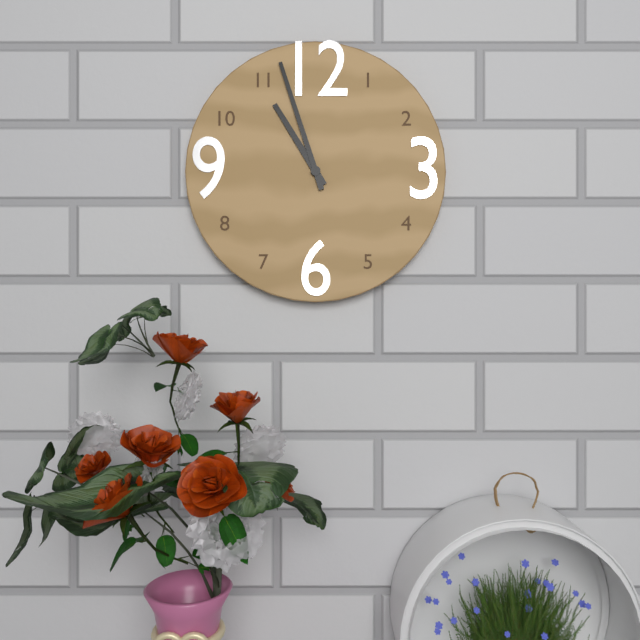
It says 10.57
